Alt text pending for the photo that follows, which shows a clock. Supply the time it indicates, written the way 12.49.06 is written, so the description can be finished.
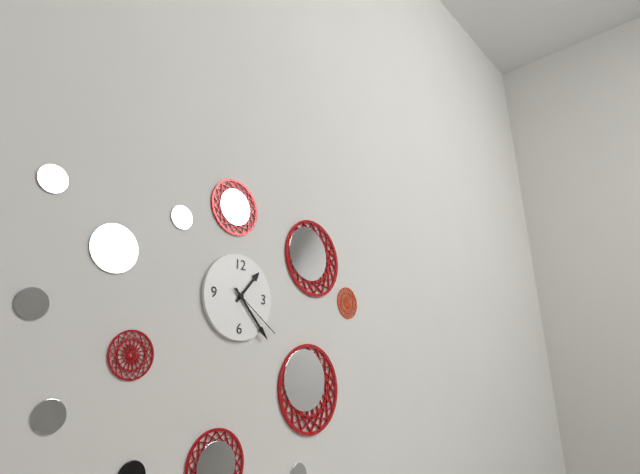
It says 1.23.21
